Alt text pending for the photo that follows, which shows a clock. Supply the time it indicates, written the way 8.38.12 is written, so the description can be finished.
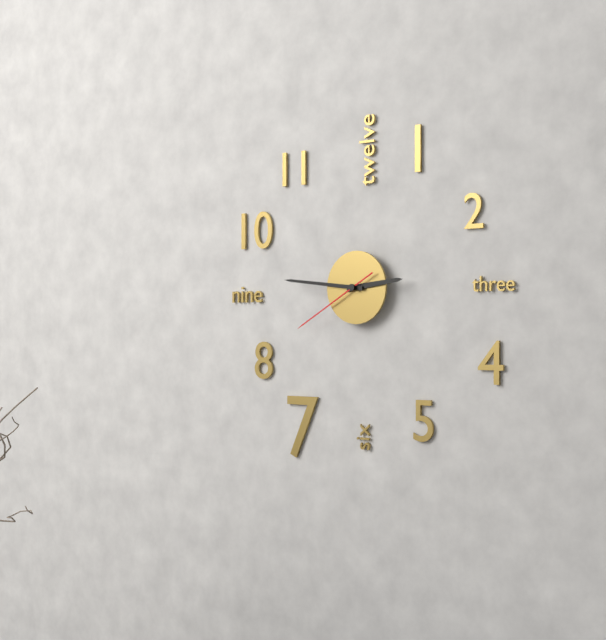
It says 2.46.40
